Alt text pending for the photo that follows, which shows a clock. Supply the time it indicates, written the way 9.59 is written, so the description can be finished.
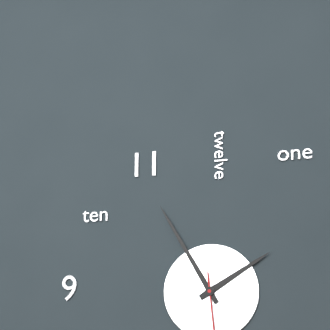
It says 1.55
